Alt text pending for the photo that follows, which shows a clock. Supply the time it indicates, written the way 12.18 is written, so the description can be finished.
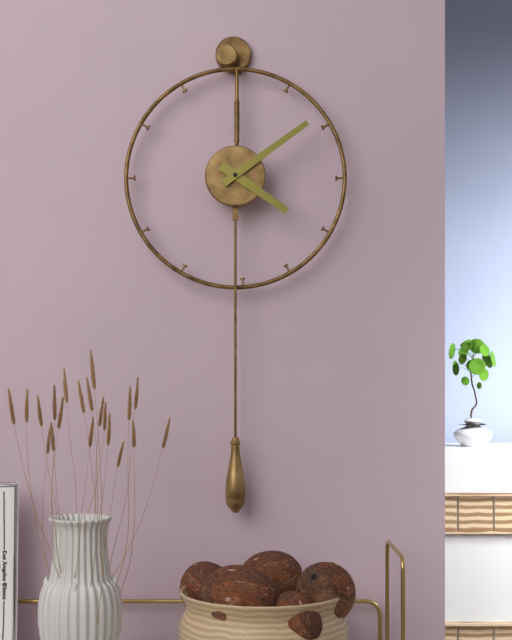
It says 4.09
